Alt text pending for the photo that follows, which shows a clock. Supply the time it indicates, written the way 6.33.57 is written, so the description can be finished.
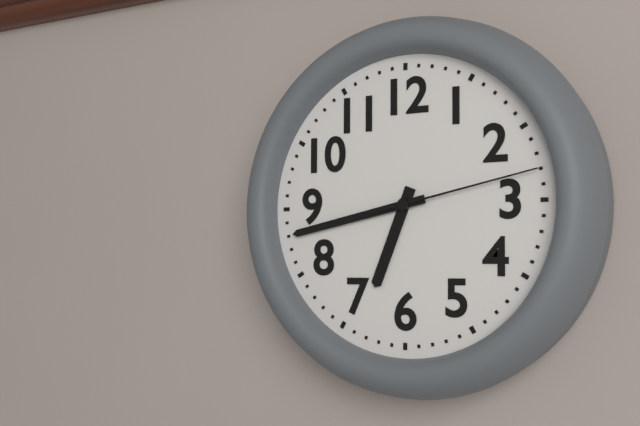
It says 6.43.13
